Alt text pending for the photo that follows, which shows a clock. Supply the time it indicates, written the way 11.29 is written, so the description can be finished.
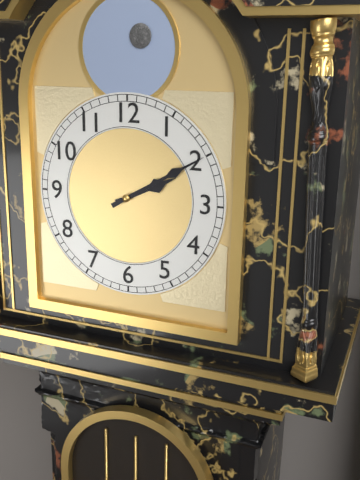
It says 2.10
